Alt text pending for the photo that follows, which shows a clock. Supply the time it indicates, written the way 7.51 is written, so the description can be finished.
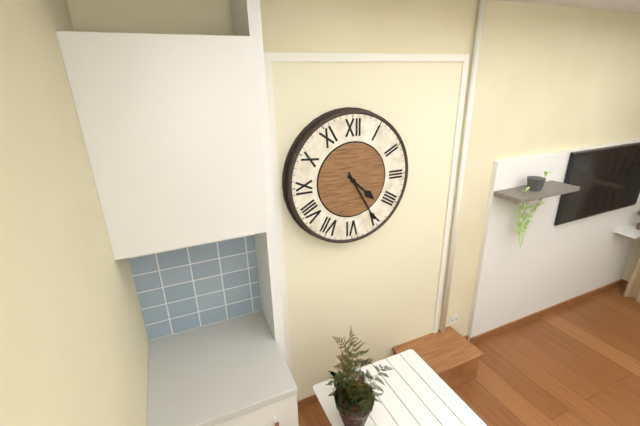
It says 4.25
